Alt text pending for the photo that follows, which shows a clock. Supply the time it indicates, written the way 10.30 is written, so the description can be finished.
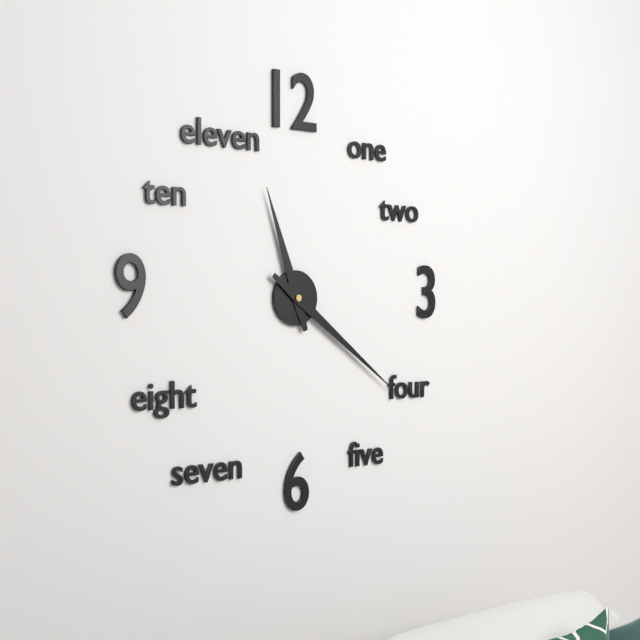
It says 11.21
